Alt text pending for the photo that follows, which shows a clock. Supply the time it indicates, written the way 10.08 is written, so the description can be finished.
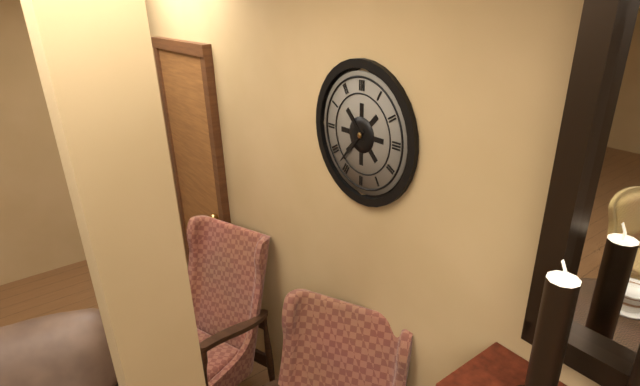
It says 10.37
